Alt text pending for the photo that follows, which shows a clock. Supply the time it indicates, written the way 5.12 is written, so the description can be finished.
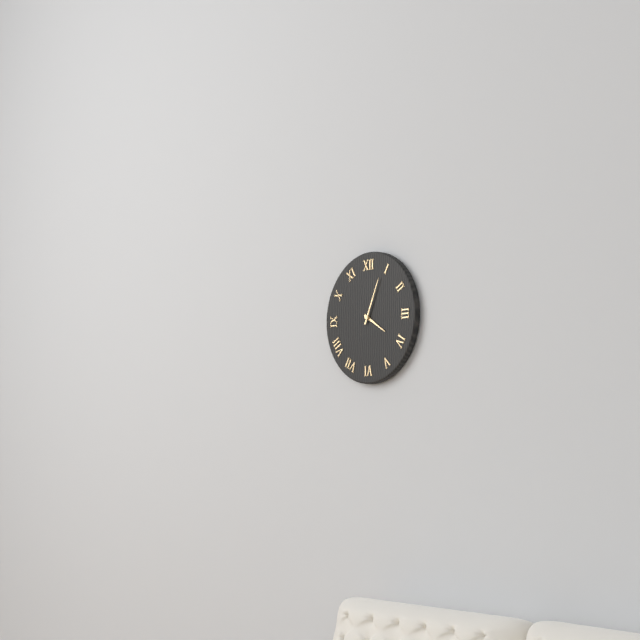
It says 4.04
